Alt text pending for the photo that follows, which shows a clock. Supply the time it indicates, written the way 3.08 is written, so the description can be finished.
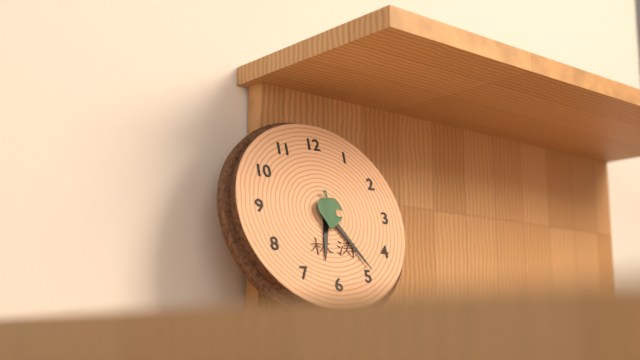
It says 6.24
